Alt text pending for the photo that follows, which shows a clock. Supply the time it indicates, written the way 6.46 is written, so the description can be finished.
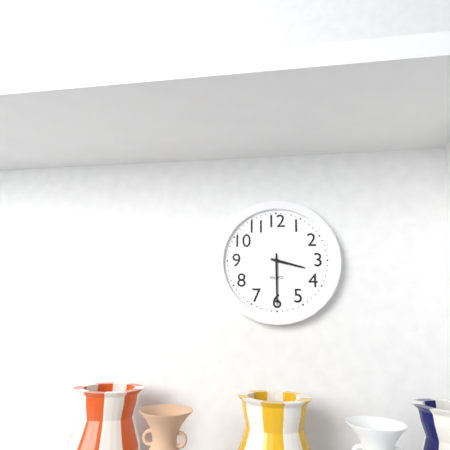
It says 3.30
